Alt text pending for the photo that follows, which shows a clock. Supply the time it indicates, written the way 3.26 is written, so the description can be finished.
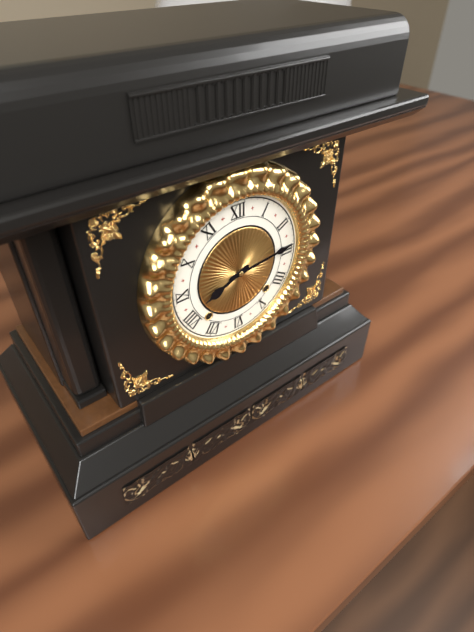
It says 8.14
